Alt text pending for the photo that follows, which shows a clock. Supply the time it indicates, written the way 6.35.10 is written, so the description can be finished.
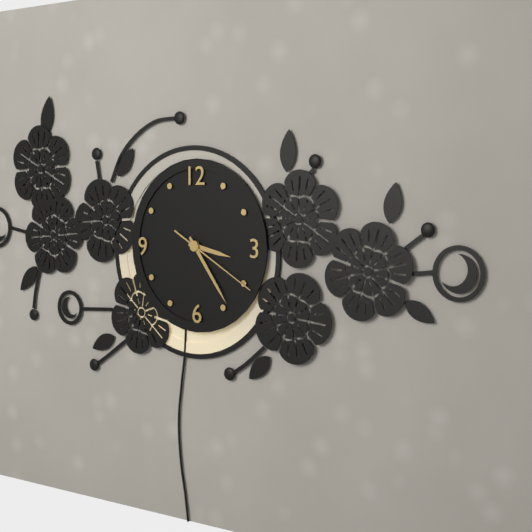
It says 3.24.20
